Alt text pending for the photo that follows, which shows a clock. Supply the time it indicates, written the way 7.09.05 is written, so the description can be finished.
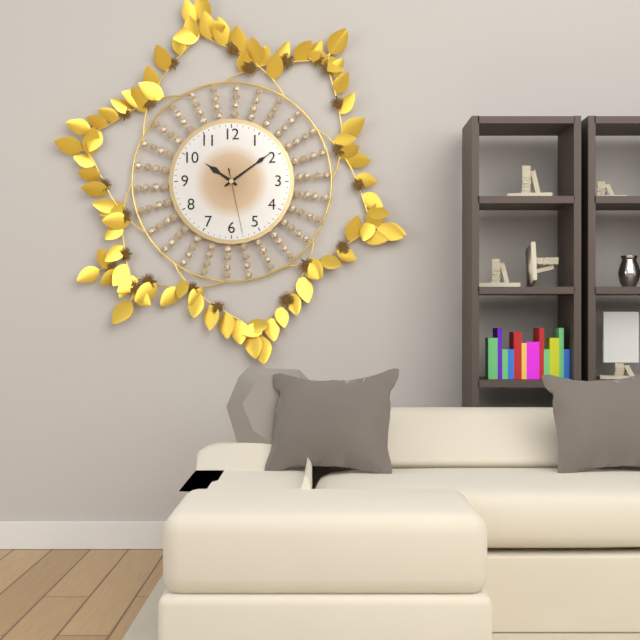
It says 10.09.28
